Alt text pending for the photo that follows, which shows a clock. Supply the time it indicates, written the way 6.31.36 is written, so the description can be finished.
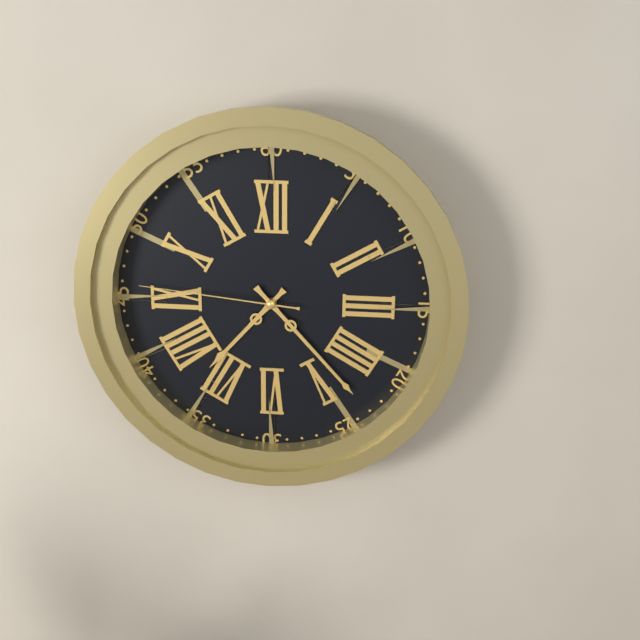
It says 7.23.46
